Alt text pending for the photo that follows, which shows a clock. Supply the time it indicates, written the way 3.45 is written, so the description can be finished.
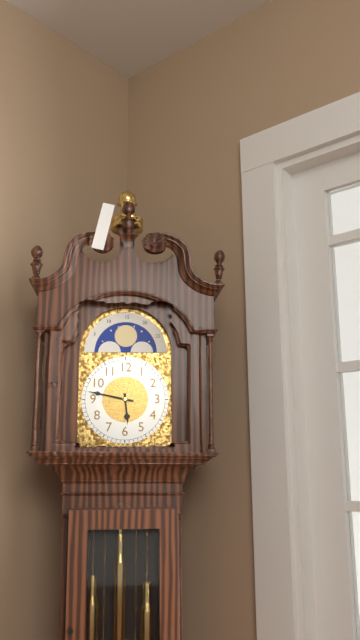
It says 5.47
